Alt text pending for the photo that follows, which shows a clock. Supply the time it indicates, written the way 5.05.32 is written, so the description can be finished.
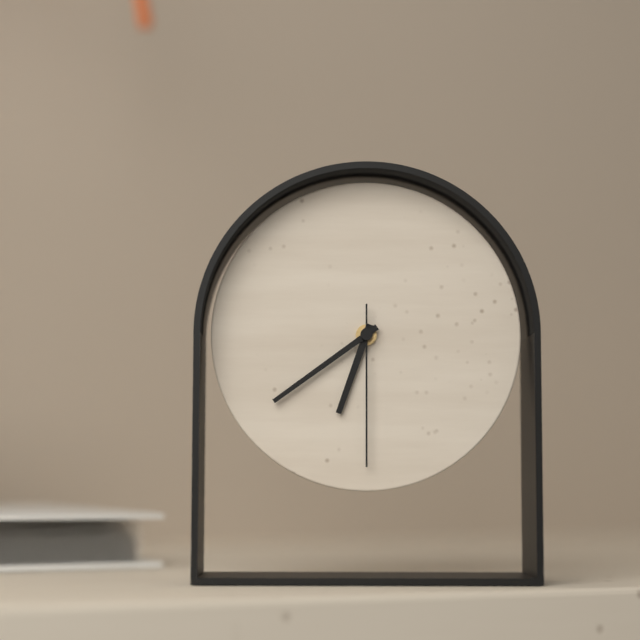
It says 6.39.30
